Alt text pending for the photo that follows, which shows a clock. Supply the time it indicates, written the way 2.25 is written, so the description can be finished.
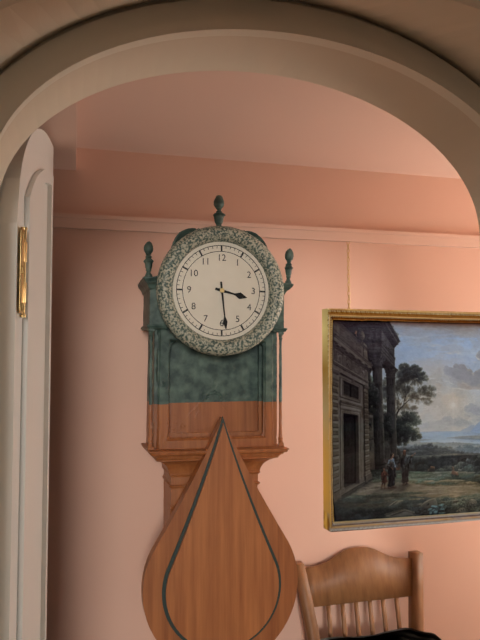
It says 3.29
